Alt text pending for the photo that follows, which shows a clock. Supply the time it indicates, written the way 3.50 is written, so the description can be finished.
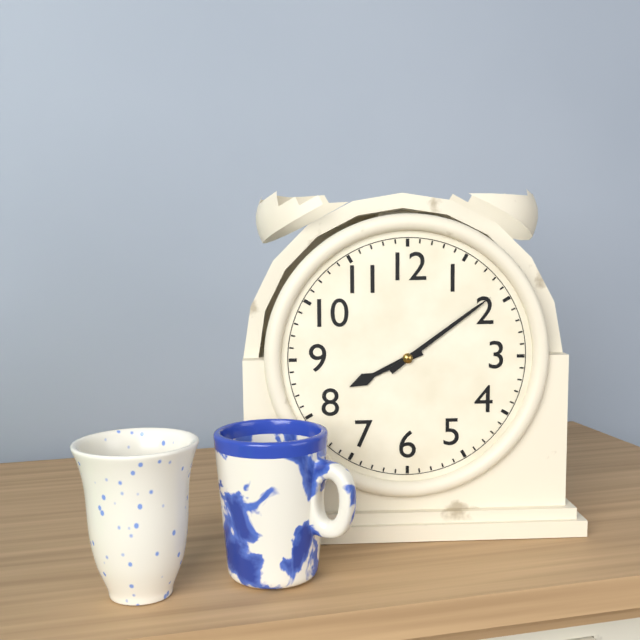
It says 8.09
